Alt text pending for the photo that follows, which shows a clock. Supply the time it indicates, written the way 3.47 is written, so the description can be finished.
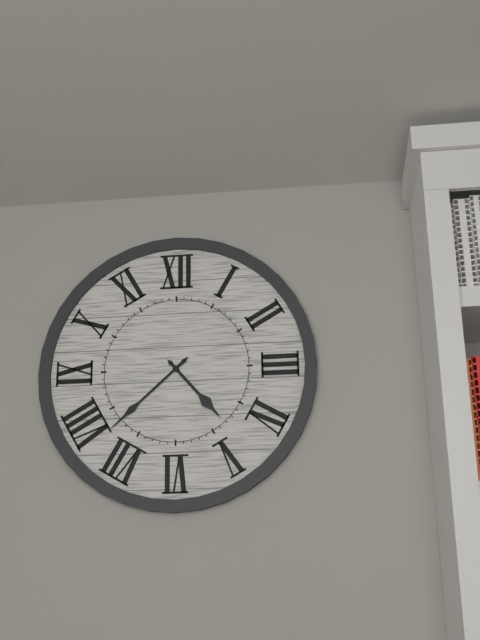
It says 4.38
